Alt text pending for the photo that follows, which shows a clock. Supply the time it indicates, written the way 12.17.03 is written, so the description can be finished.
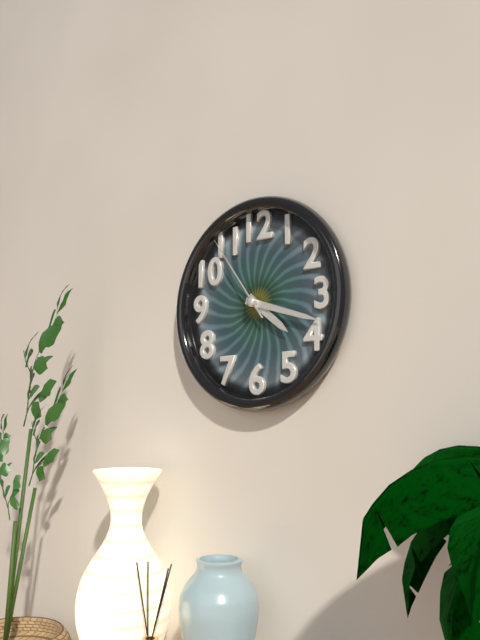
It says 4.18.54
